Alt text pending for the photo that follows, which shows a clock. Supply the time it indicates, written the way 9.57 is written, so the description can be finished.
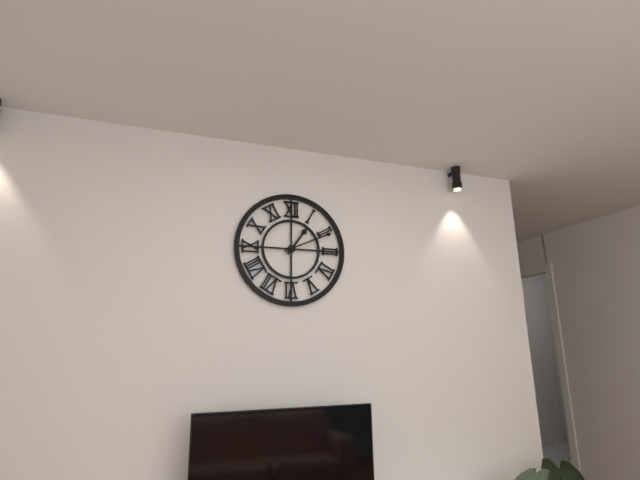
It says 1.11
